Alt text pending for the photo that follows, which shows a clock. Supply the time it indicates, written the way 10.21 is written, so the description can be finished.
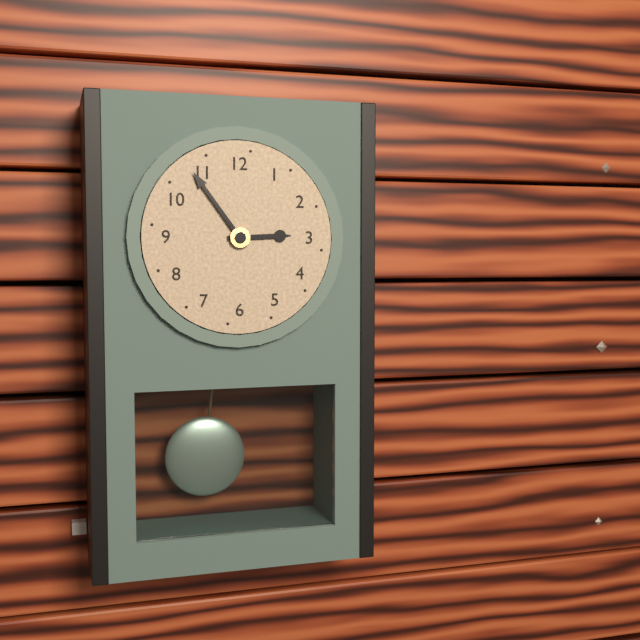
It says 2.54
